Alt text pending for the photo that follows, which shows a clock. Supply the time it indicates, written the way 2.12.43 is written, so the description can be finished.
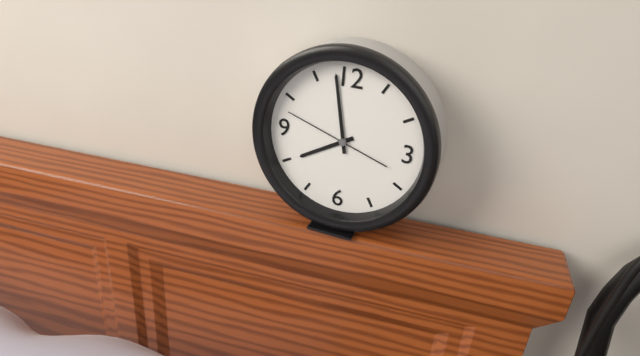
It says 7.58.48
